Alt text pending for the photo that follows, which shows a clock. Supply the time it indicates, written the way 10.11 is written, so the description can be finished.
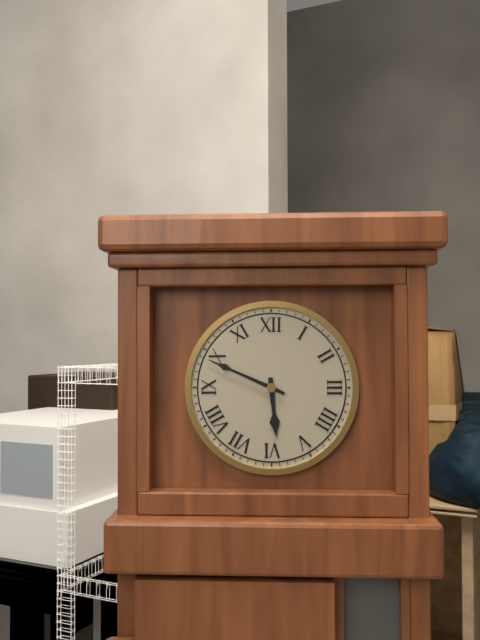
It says 5.49
